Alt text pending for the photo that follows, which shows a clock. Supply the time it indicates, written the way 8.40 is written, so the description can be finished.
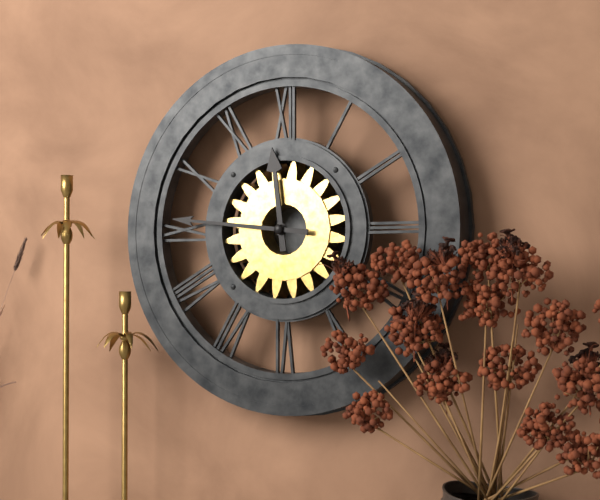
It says 11.46
